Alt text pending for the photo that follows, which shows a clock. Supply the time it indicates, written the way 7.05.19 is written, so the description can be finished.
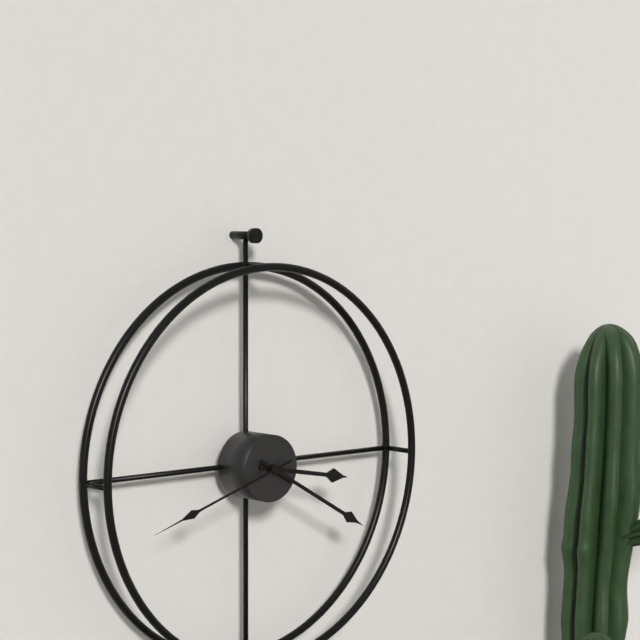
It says 3.20.42
